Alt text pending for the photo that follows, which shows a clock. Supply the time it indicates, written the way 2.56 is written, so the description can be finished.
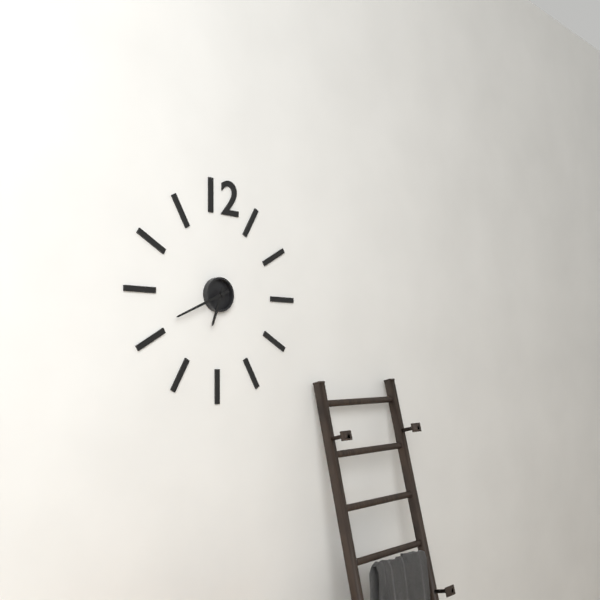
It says 6.41
